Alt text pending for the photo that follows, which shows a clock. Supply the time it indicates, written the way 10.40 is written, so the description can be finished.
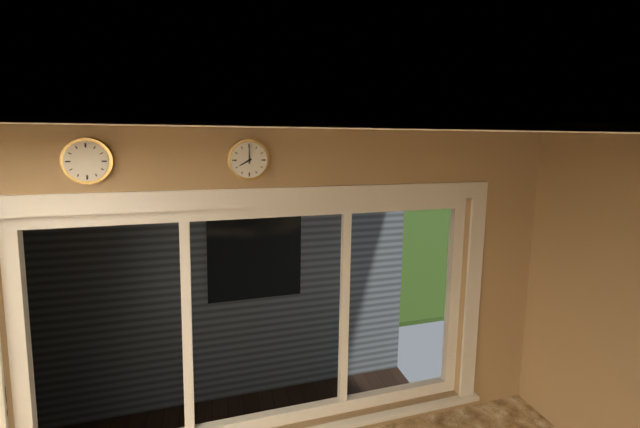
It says 8.00
